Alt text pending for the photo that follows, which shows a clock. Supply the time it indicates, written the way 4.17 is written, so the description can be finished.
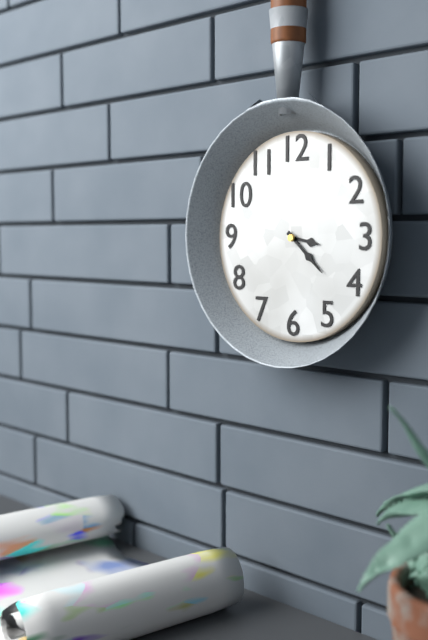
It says 3.22
